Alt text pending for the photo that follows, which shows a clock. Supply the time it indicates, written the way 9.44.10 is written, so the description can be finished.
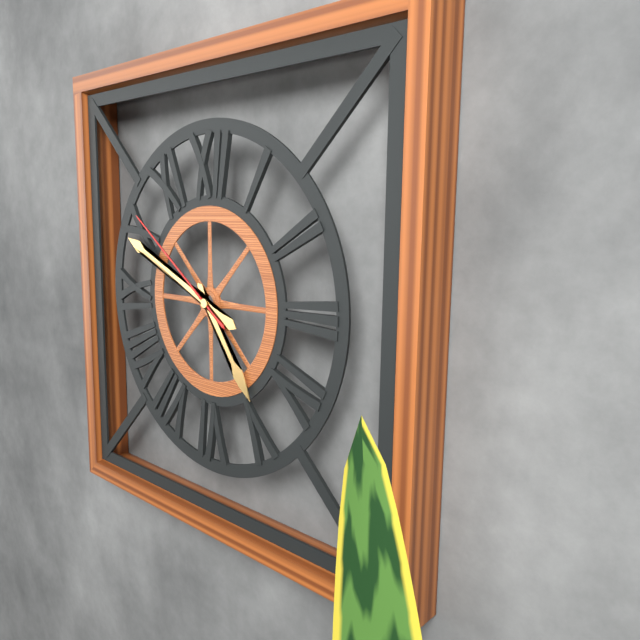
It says 4.49.51
